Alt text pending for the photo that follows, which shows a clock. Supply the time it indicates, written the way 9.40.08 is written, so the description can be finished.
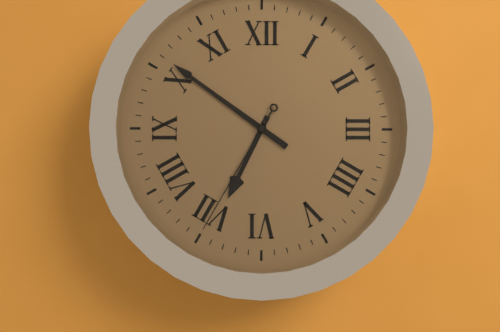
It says 6.51.35
